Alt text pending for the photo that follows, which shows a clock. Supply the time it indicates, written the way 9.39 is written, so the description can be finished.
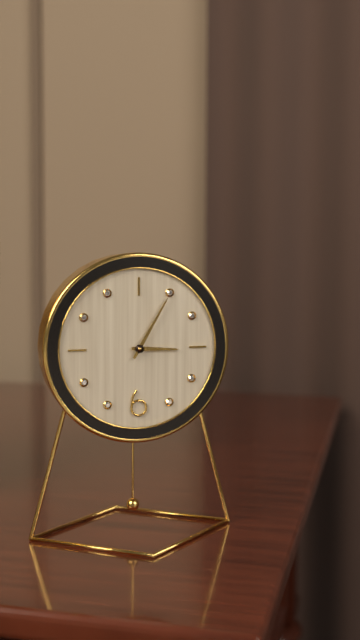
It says 3.05
